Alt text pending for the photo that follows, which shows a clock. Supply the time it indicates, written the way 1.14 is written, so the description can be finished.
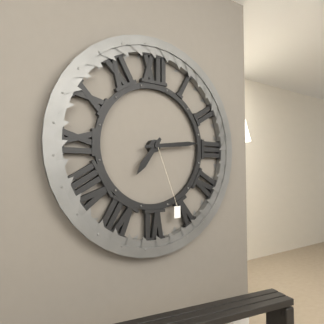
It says 7.14
